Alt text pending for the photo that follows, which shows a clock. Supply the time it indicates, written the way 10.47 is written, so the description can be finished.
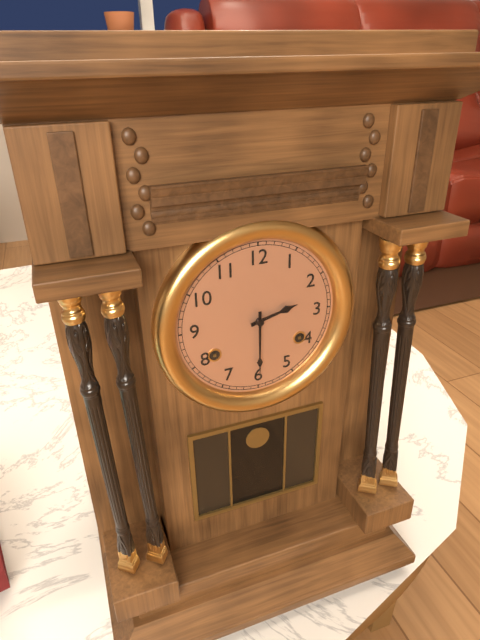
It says 2.30
